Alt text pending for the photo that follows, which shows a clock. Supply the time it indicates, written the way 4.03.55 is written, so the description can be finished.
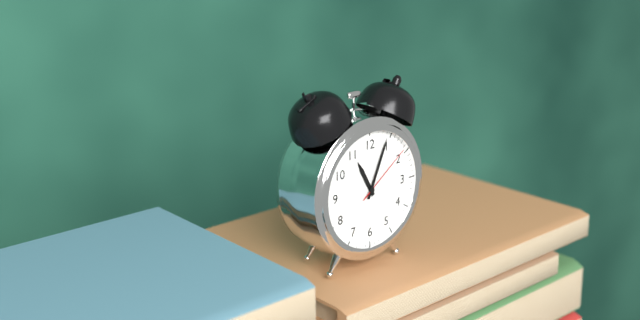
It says 11.04.09
